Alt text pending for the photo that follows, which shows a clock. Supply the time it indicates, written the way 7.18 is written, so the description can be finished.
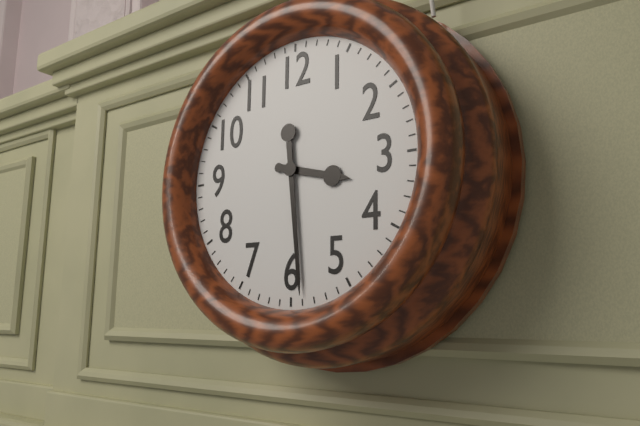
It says 3.29
